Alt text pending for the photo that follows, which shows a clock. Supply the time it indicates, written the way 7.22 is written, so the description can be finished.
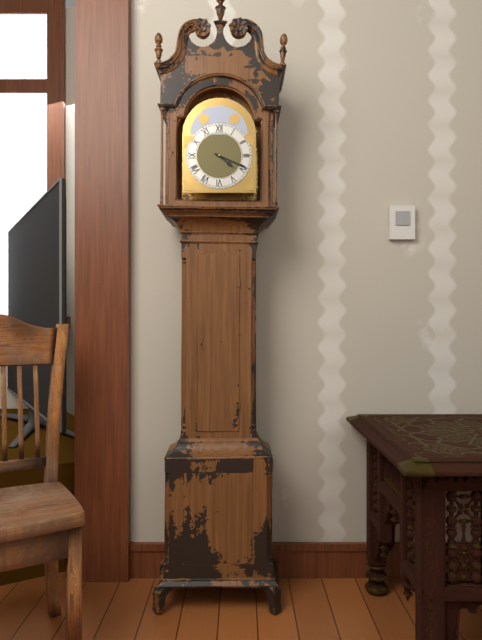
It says 4.19
